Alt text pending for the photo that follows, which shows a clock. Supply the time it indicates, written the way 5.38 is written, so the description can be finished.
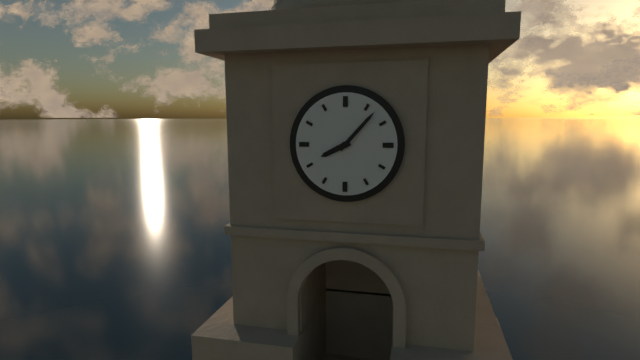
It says 8.07
